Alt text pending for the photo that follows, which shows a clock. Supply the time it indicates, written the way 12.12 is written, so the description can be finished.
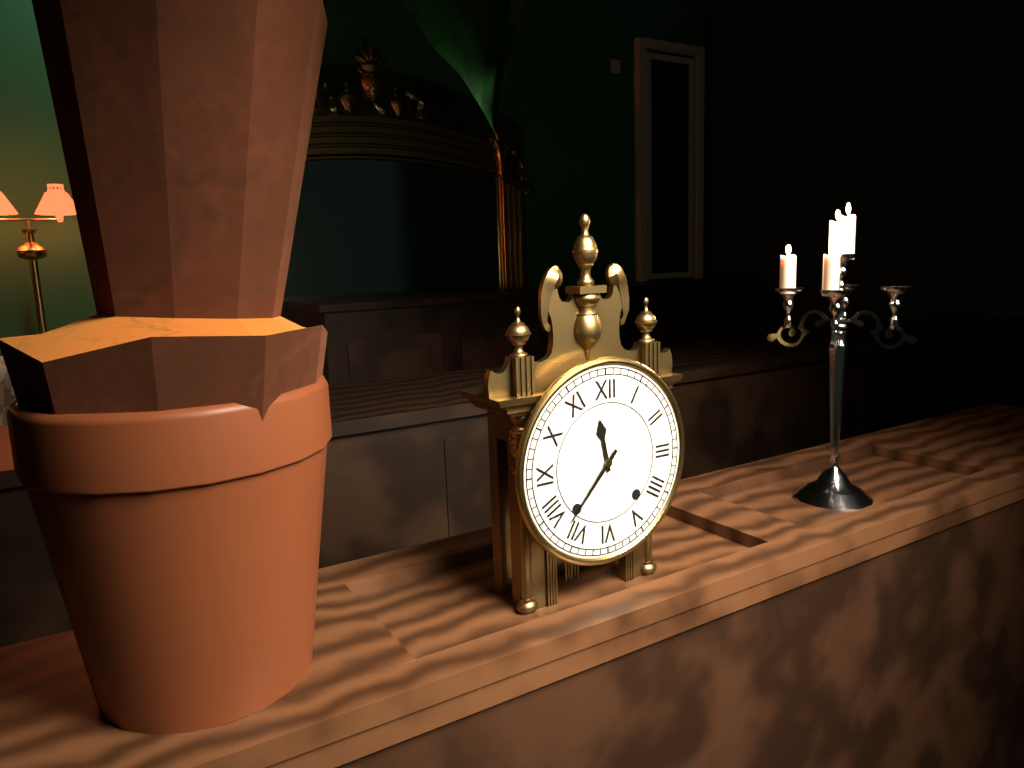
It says 11.37
